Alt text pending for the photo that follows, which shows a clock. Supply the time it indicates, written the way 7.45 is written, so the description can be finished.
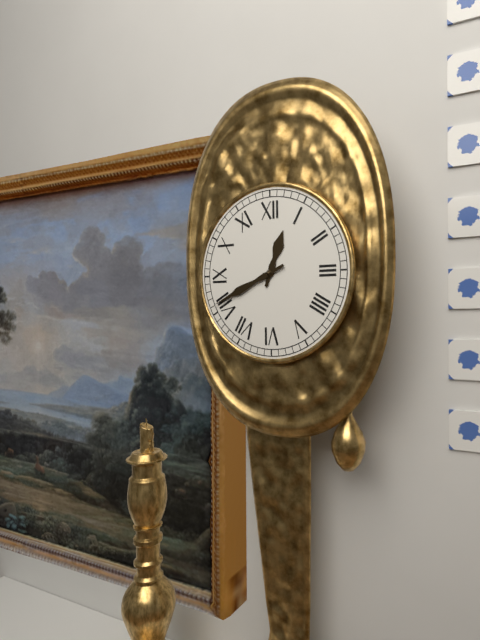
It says 12.41
